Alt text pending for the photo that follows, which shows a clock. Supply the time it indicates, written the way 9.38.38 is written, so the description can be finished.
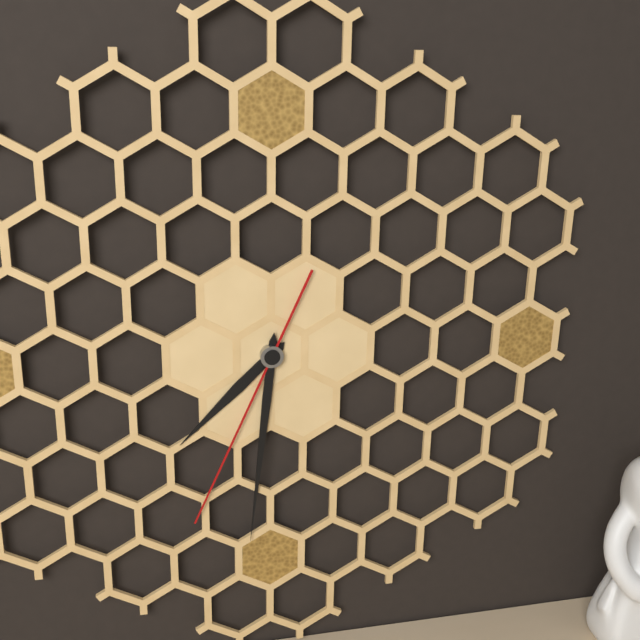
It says 7.31.34
